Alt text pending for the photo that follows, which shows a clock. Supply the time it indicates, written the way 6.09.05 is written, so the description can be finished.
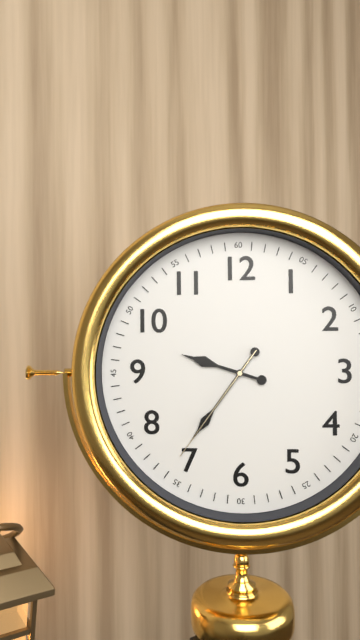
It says 9.36.36
